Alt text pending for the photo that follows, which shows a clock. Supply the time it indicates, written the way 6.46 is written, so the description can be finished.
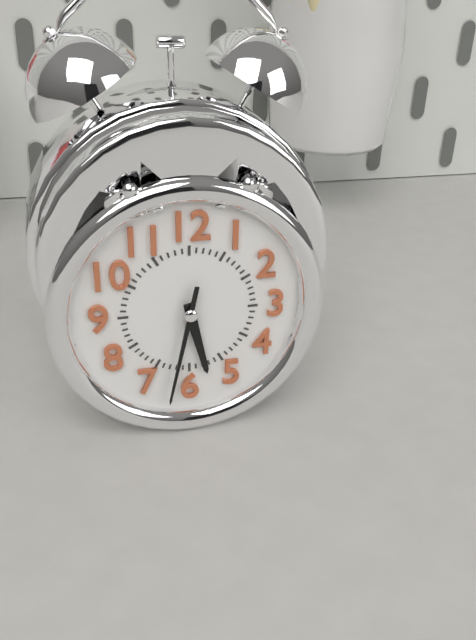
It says 5.32
